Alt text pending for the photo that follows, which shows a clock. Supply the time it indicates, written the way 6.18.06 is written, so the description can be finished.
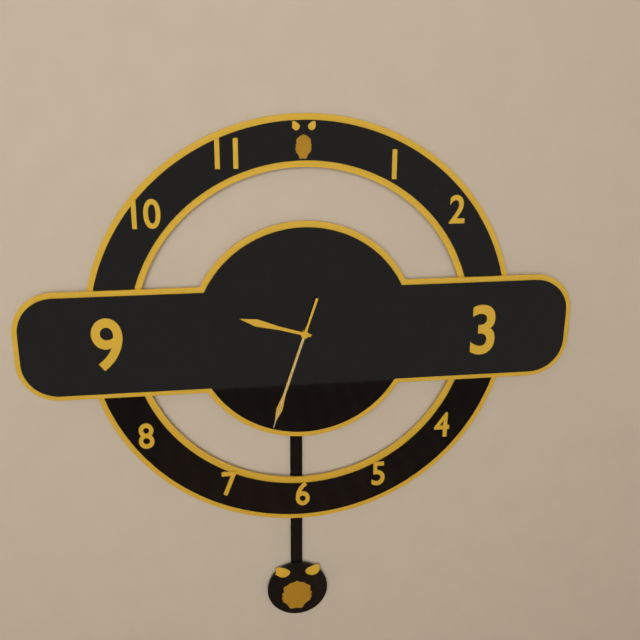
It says 9.33.33
